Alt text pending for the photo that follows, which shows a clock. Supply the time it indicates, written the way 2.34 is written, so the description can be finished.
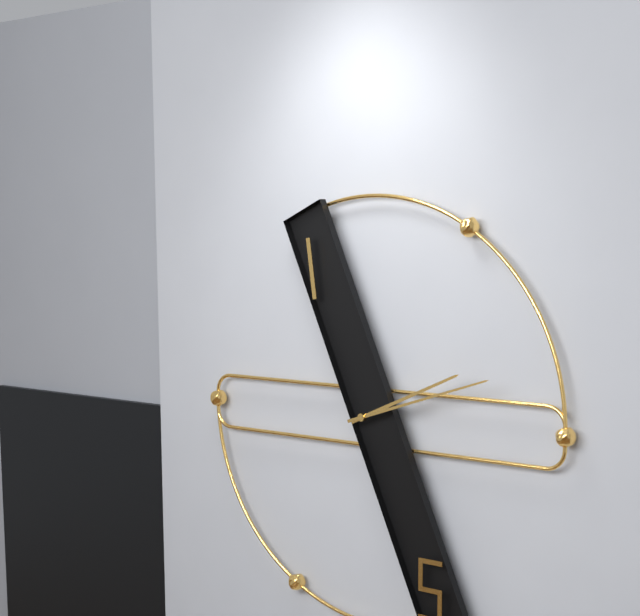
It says 2.12
